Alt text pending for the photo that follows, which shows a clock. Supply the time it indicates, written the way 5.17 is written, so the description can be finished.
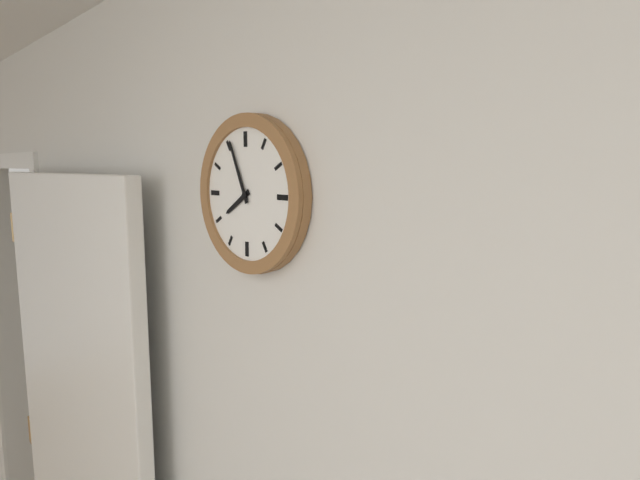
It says 7.56
